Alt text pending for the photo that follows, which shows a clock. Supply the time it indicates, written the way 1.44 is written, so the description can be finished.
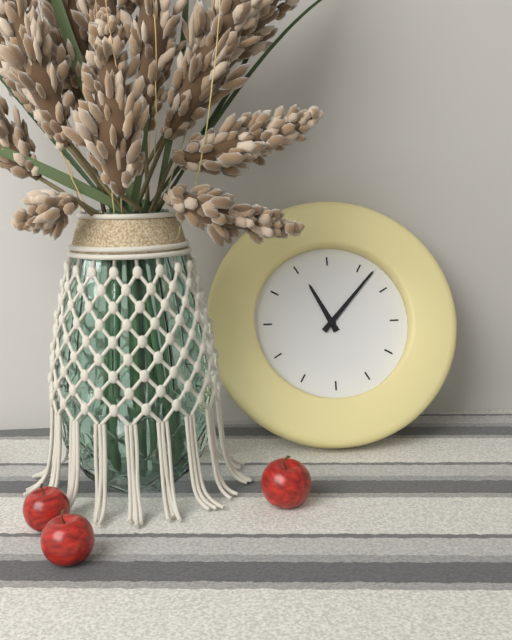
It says 11.07
